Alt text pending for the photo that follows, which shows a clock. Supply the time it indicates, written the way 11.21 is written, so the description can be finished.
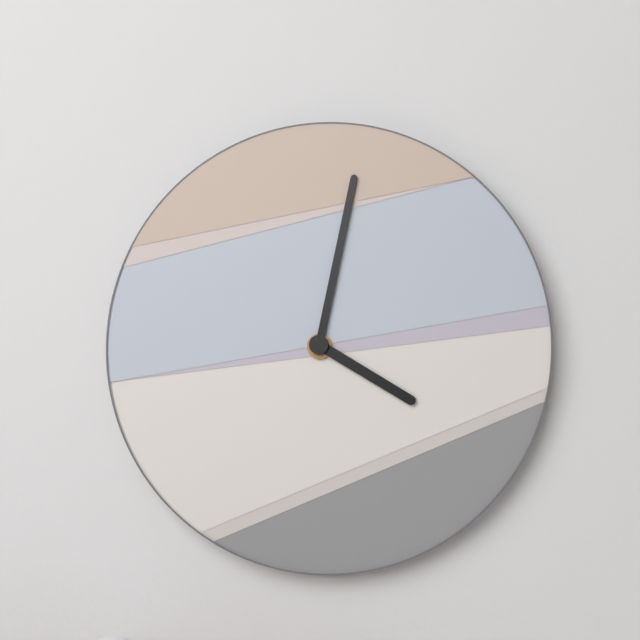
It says 4.02
